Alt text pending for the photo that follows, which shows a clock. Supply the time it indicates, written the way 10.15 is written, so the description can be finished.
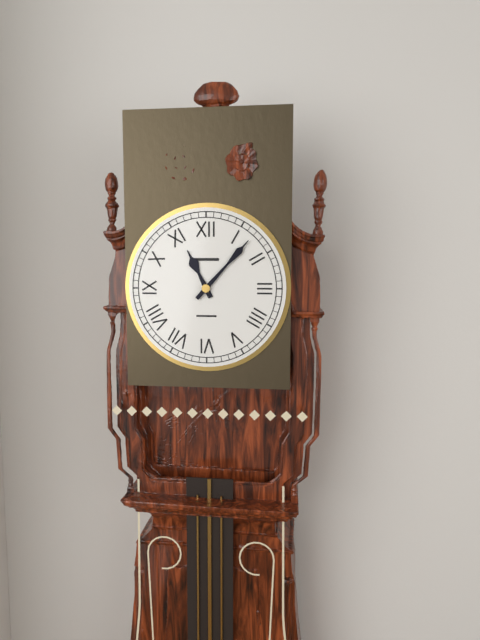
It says 11.07
